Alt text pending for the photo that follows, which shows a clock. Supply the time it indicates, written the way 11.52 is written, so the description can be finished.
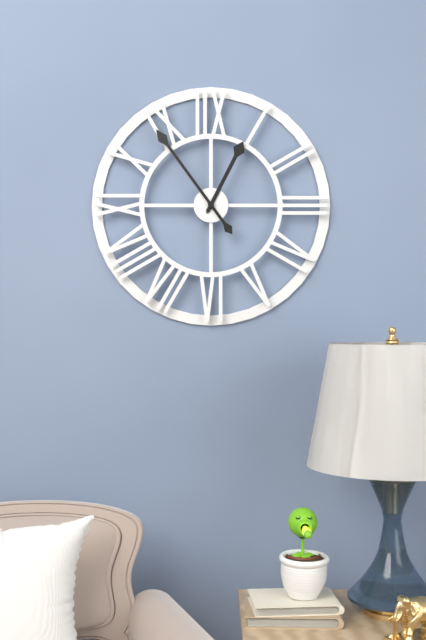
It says 12.54
